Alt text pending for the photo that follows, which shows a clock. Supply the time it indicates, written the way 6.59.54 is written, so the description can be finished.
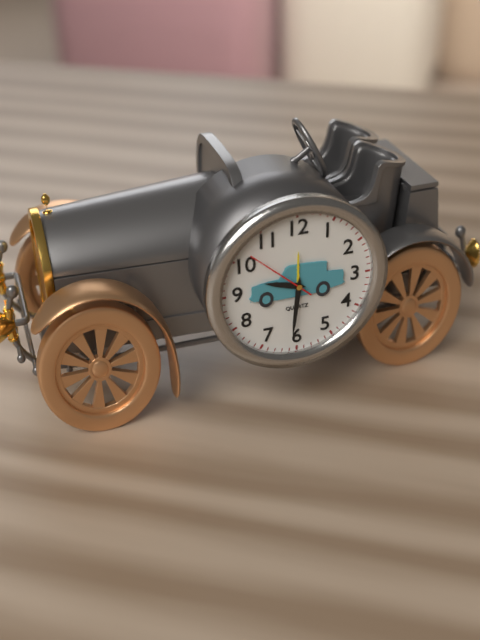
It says 9.31.52
